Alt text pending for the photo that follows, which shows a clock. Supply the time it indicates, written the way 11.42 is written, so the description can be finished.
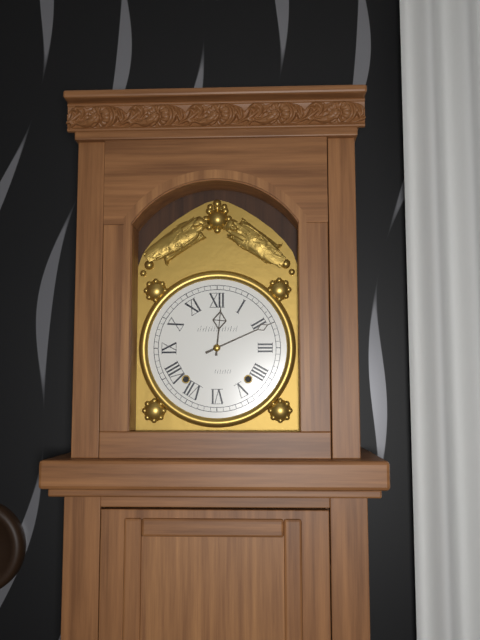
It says 12.11
